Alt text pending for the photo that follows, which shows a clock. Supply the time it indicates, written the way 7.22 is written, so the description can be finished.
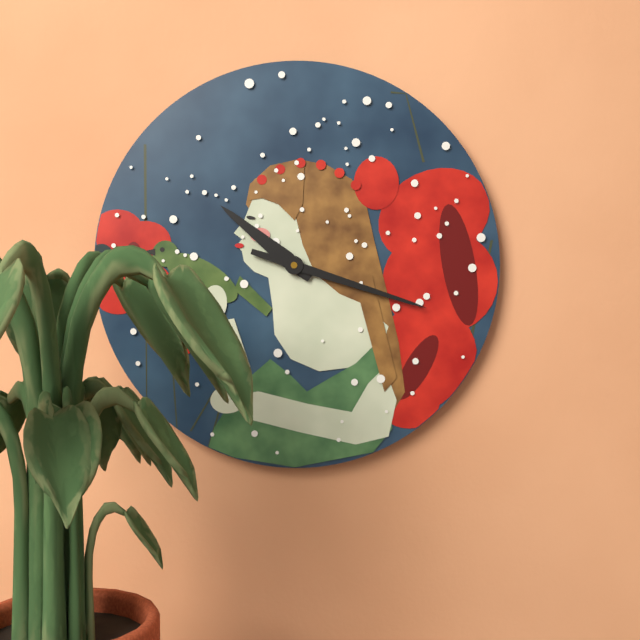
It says 10.18
